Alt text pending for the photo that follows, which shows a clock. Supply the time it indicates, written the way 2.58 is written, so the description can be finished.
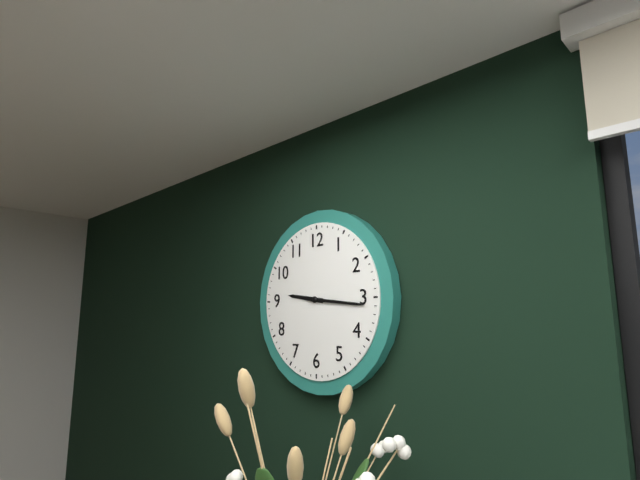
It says 9.16
